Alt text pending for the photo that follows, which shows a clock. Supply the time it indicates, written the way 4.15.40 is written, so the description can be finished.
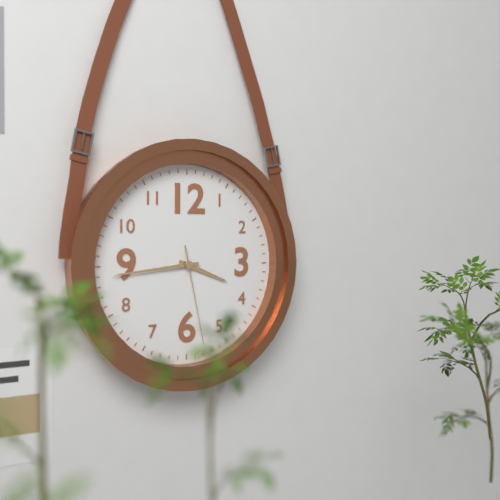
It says 3.44.28
